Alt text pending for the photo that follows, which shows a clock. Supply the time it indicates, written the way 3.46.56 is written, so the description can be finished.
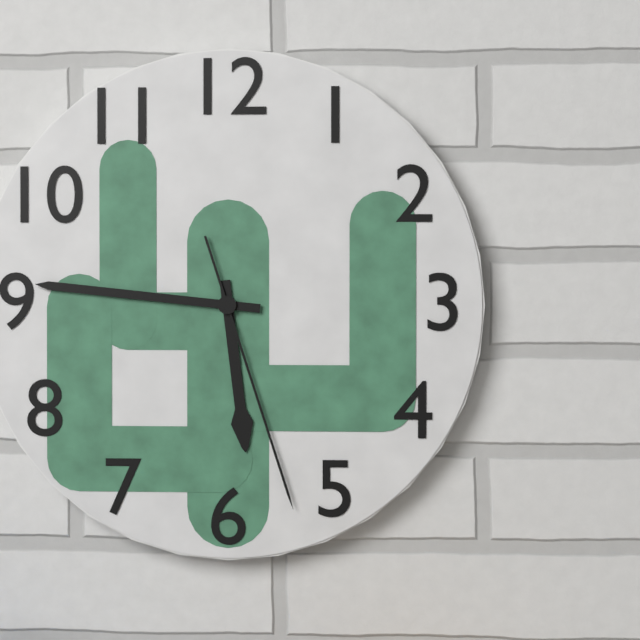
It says 5.46.27
